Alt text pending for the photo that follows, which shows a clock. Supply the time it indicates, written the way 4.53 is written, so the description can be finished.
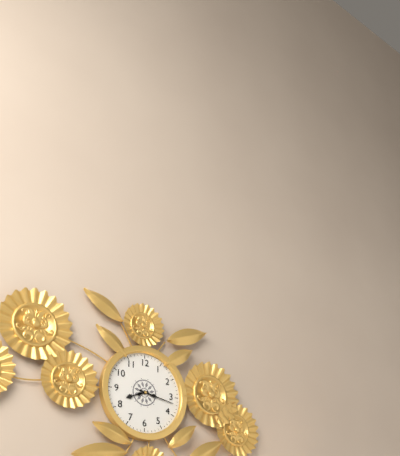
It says 8.17
